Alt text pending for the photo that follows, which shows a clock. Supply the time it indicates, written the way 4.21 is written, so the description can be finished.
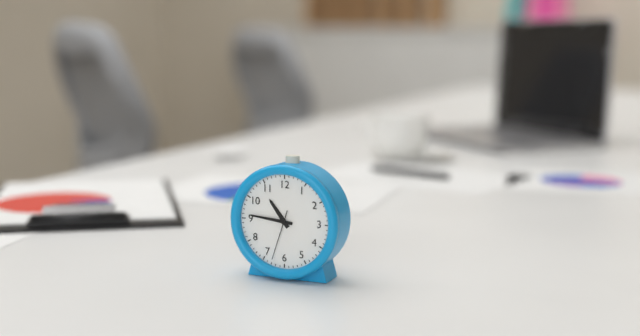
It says 10.46
